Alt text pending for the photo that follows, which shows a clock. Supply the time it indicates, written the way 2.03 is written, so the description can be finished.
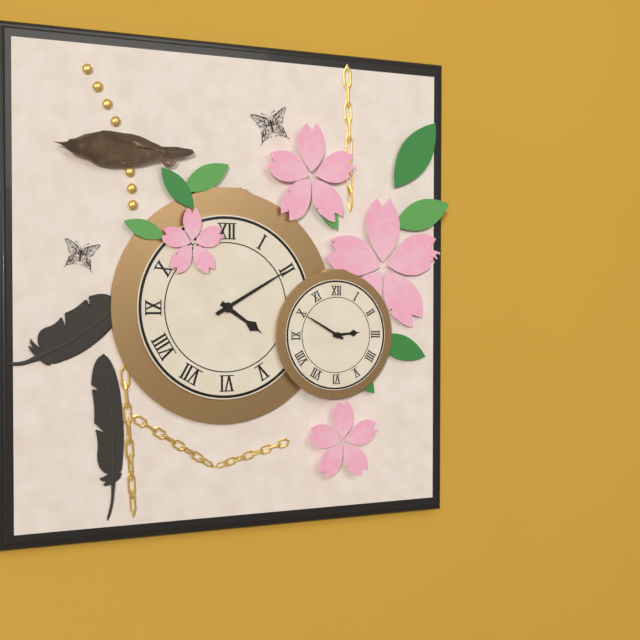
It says 4.10
